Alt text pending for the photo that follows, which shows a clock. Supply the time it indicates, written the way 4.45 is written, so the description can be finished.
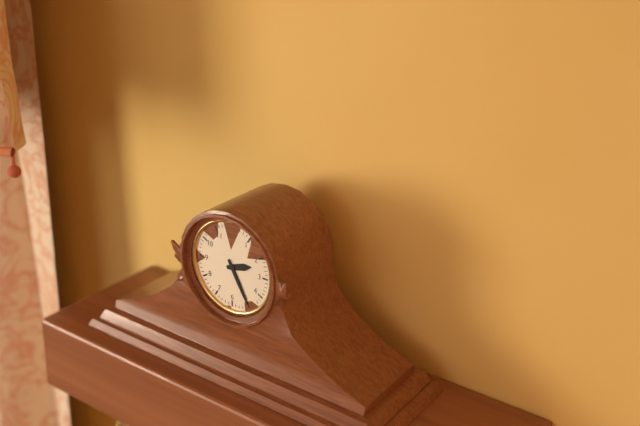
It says 2.25
